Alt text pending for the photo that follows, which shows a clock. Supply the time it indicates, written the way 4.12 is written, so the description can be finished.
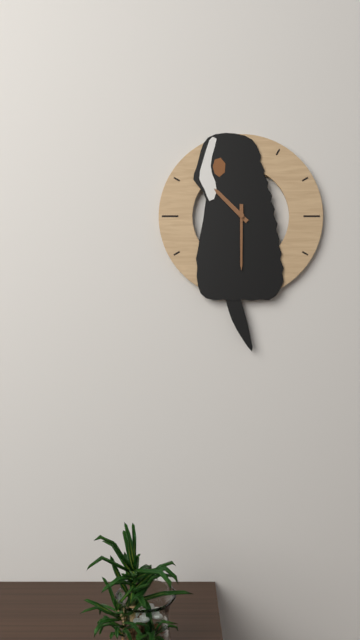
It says 10.30
